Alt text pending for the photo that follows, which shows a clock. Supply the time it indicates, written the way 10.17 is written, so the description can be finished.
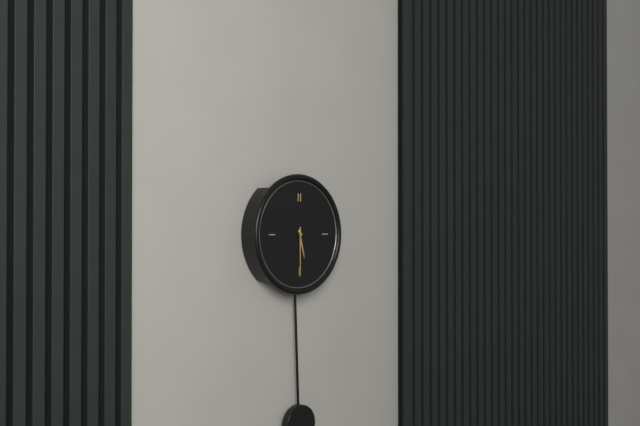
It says 5.30
